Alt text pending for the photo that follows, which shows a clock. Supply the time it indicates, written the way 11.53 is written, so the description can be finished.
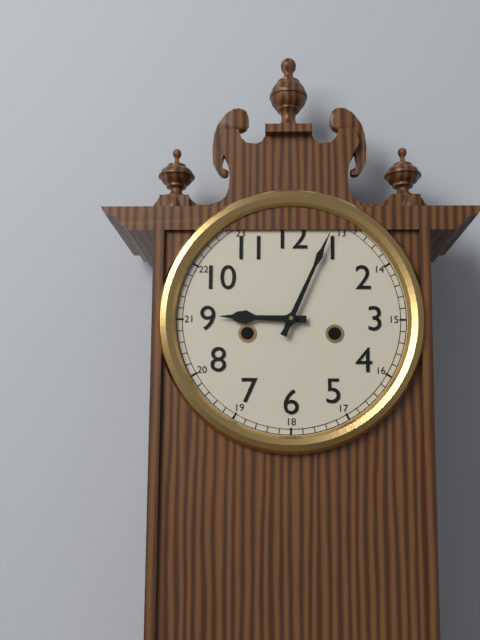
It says 9.04
